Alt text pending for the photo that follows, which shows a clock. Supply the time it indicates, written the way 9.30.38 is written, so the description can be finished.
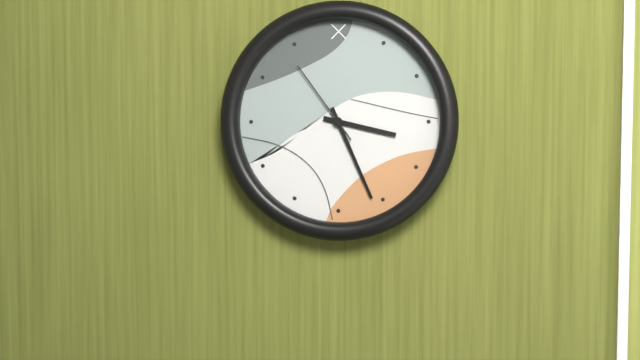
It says 3.26.54
